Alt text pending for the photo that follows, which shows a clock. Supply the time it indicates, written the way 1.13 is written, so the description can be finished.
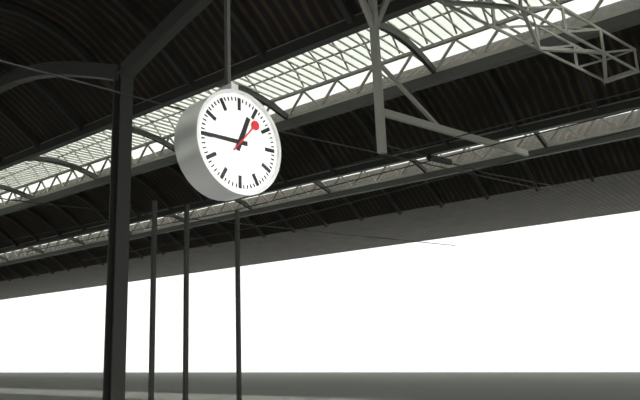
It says 12.45
